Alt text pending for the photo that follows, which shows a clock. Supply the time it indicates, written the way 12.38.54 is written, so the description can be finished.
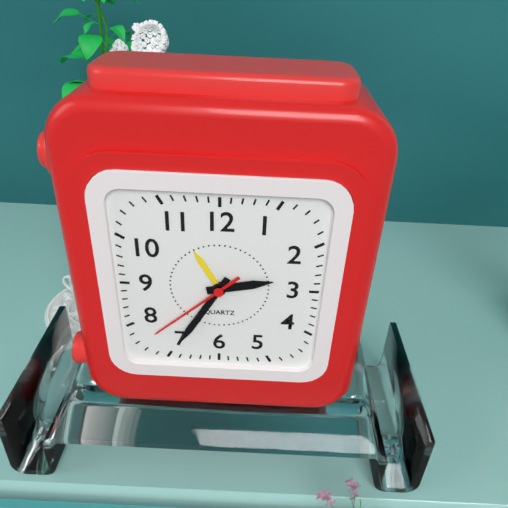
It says 2.35.38
